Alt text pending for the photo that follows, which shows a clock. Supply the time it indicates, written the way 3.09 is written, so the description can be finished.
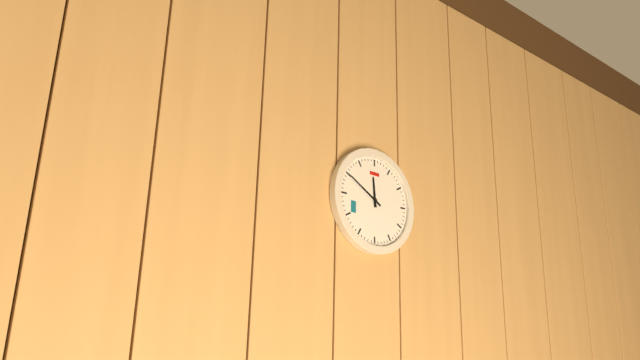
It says 11.50
